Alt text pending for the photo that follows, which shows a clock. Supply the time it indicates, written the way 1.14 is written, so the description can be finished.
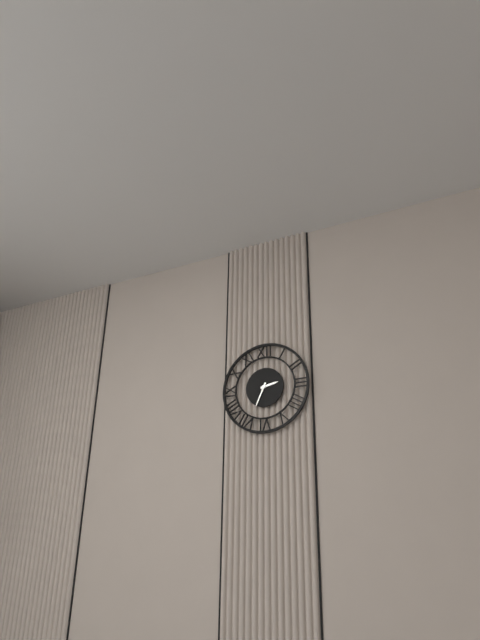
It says 2.34
